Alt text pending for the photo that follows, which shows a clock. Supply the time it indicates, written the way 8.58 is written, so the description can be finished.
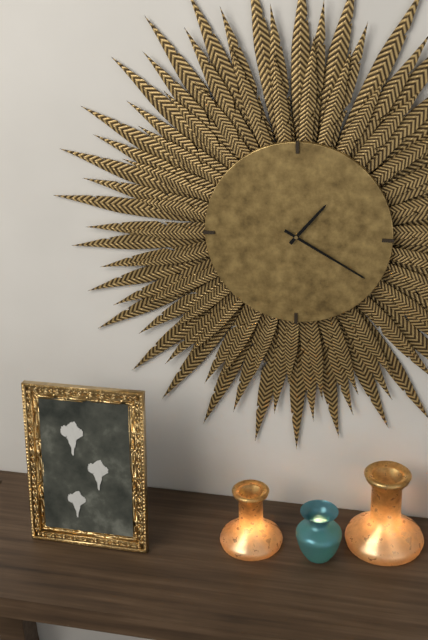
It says 1.20
